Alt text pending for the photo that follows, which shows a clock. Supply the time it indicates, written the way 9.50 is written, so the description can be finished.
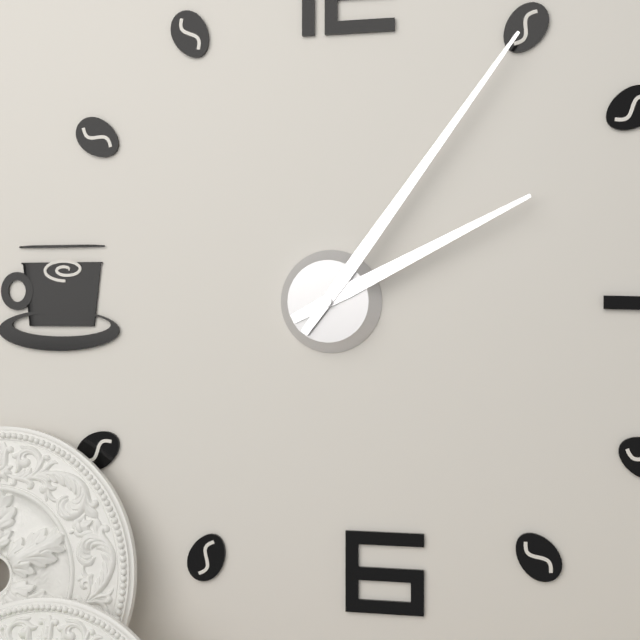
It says 2.06
